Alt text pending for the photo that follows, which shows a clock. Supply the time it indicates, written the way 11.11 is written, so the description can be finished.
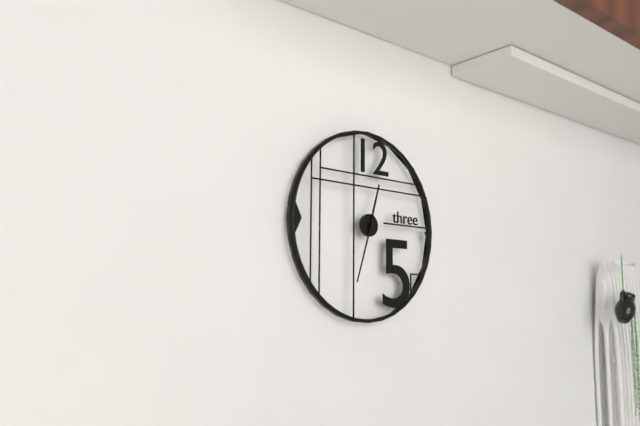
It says 12.33
